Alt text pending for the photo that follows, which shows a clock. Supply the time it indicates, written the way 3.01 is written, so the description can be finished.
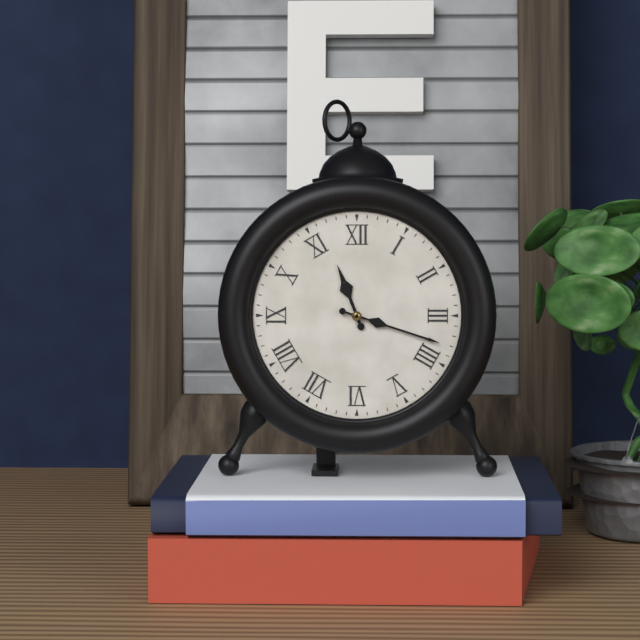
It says 11.18
